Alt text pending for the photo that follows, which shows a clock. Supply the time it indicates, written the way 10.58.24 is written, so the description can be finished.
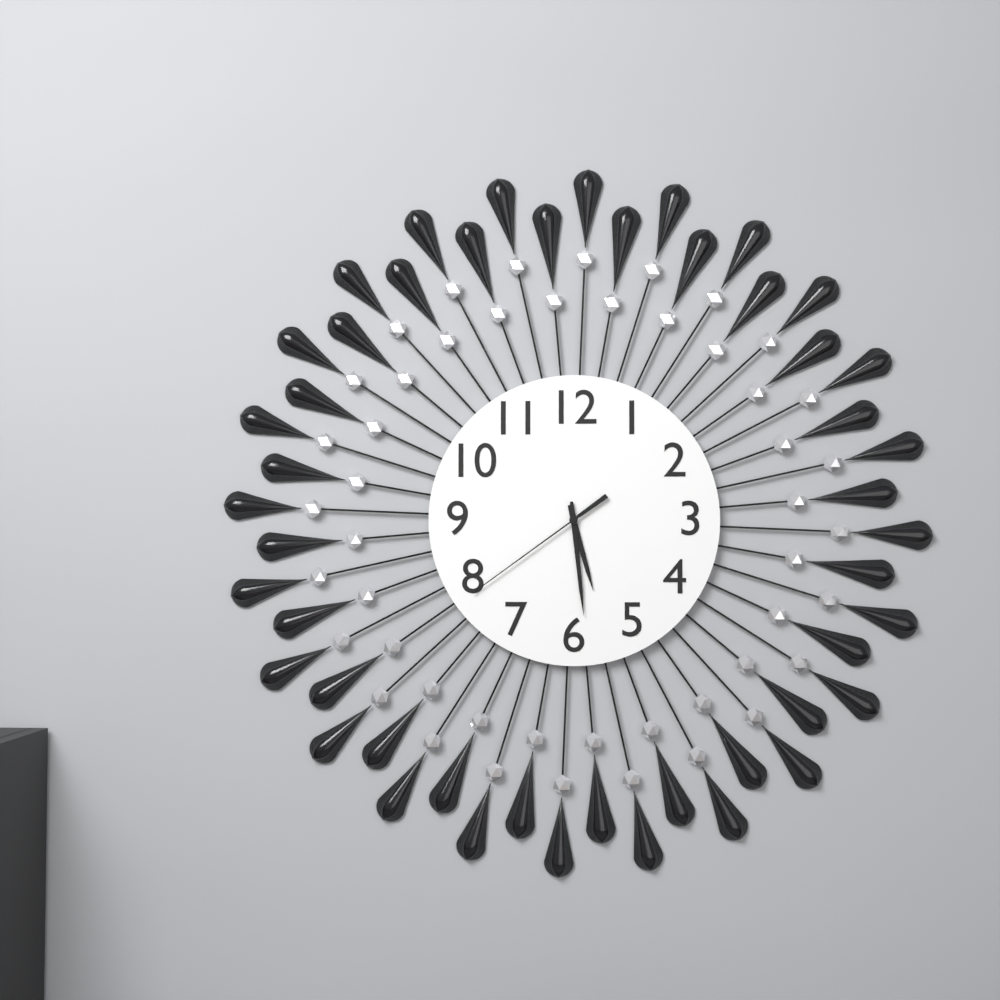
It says 5.29.39
